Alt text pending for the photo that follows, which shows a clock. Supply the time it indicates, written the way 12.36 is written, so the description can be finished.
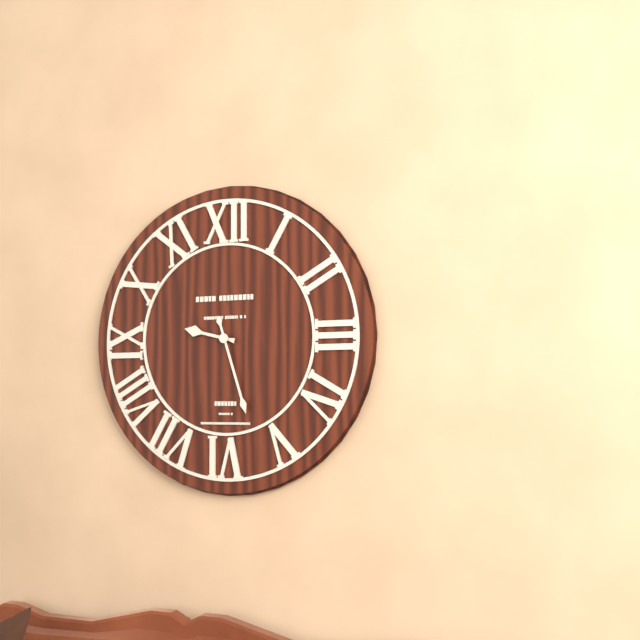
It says 9.27
